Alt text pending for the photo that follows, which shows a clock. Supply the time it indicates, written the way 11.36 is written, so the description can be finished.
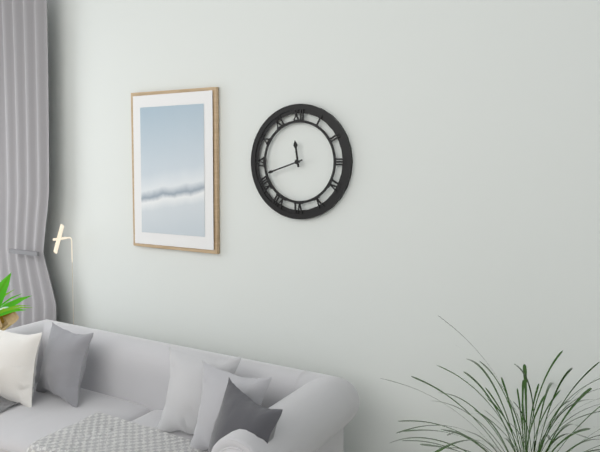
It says 11.42
